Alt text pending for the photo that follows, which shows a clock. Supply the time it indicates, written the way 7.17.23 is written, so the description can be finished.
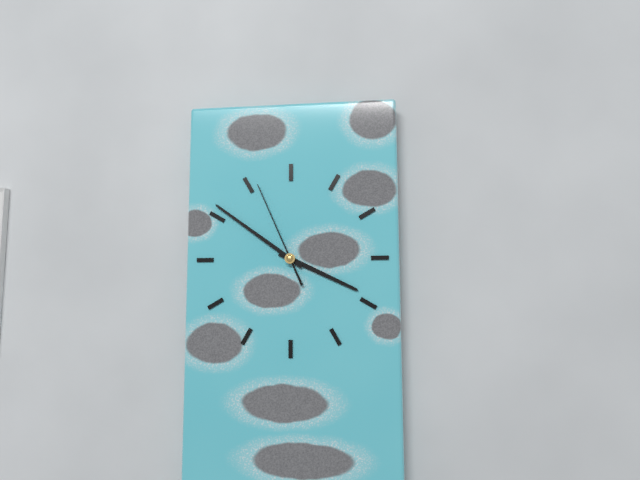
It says 3.51.56
